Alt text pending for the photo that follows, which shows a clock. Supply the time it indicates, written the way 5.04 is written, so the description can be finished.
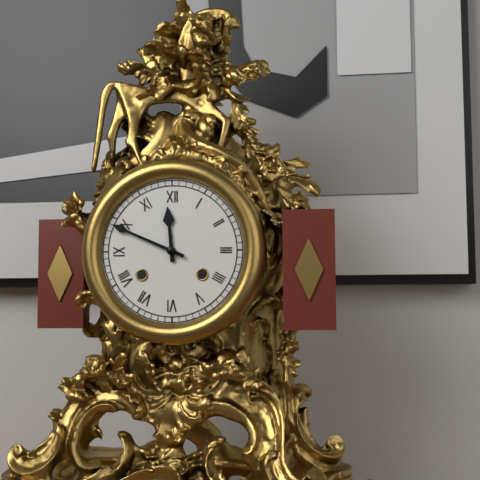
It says 11.49
